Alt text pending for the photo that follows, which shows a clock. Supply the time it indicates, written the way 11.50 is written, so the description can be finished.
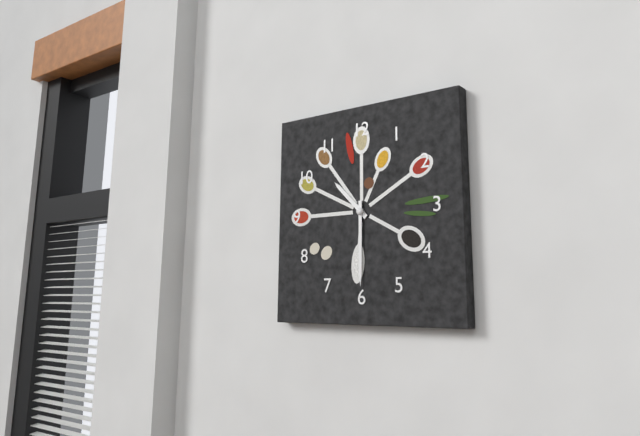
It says 10.30
